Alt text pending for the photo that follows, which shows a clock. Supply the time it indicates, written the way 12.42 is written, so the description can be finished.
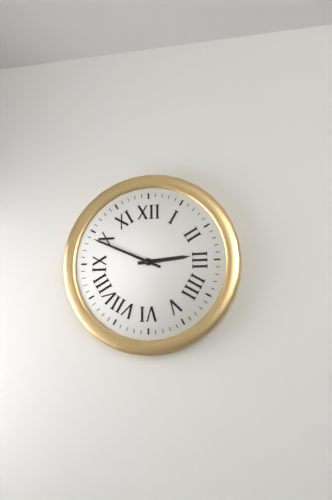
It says 2.49
